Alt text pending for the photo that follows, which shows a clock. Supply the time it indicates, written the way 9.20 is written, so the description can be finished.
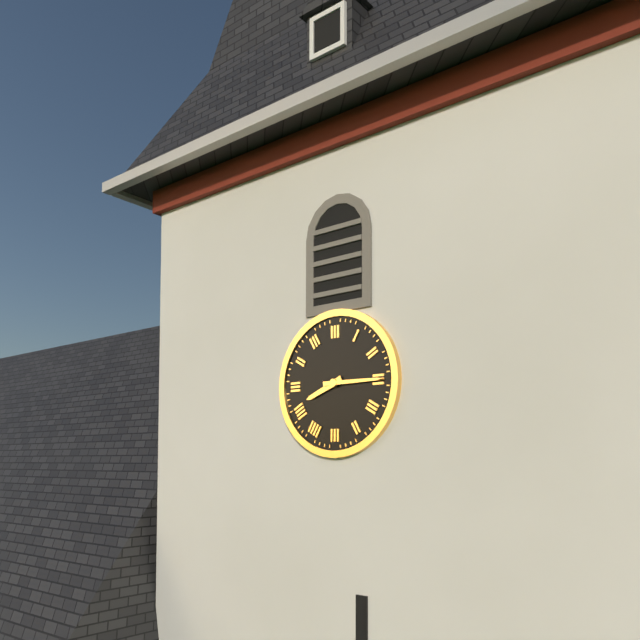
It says 8.15
